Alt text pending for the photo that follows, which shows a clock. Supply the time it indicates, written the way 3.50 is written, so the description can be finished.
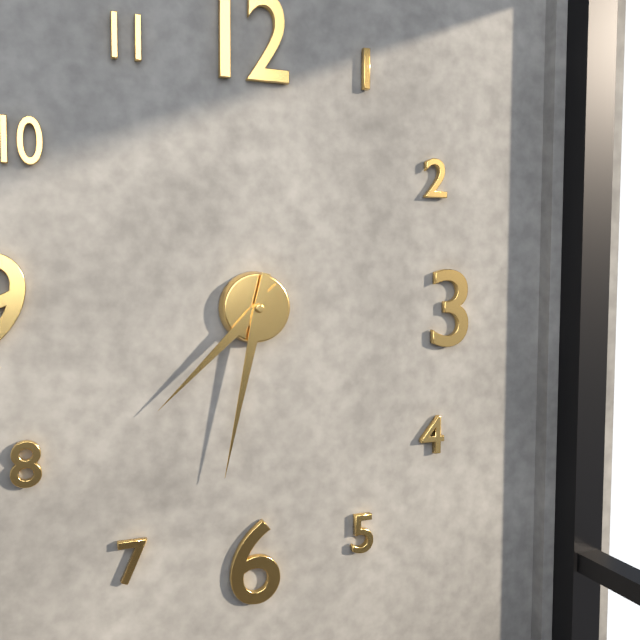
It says 7.32
